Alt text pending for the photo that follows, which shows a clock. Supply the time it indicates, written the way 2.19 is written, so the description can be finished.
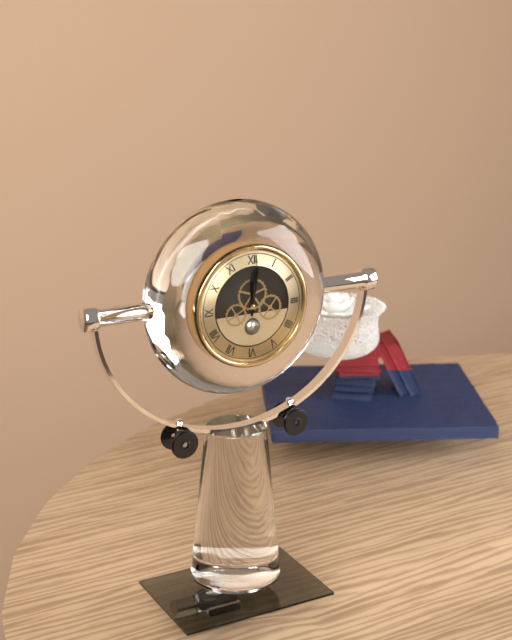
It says 12.01
